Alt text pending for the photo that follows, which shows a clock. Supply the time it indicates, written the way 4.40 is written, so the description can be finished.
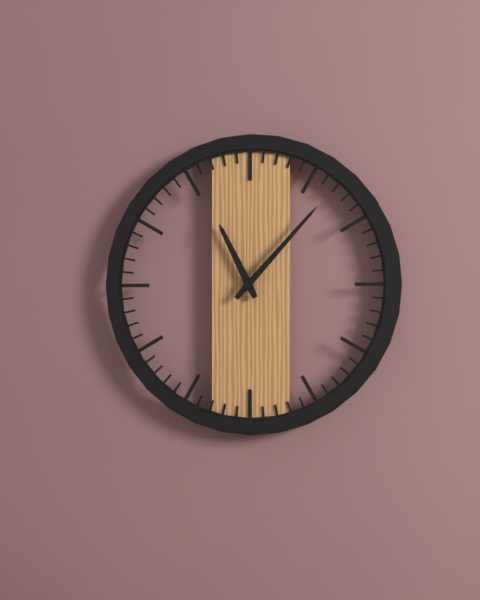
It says 11.07
